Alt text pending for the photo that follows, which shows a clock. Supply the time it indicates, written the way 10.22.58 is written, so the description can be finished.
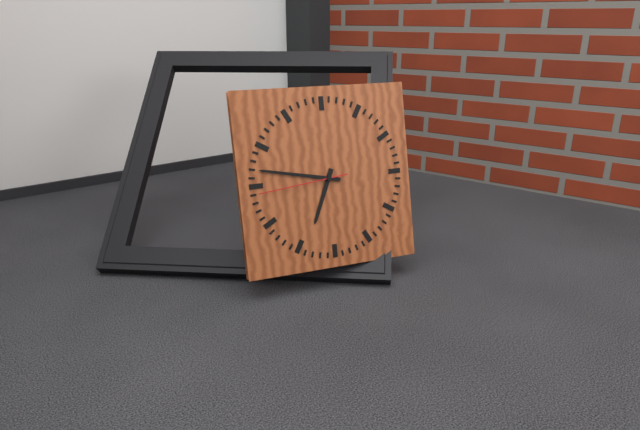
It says 6.47.44
